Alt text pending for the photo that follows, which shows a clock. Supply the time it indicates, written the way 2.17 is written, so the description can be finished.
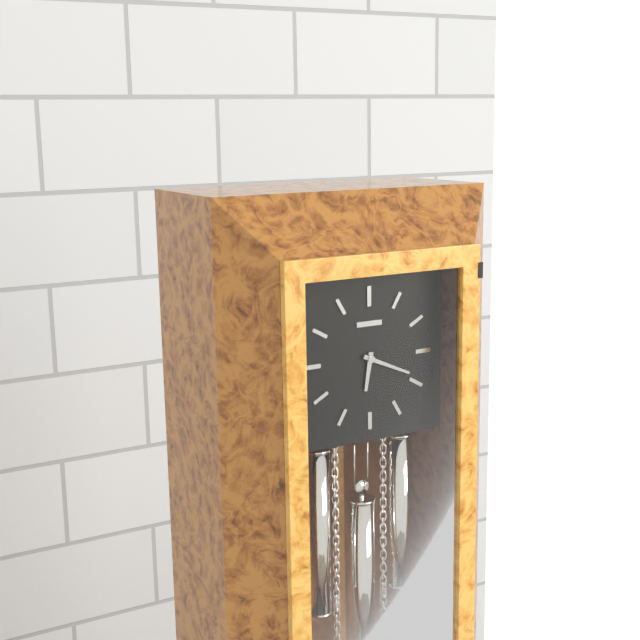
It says 6.19
